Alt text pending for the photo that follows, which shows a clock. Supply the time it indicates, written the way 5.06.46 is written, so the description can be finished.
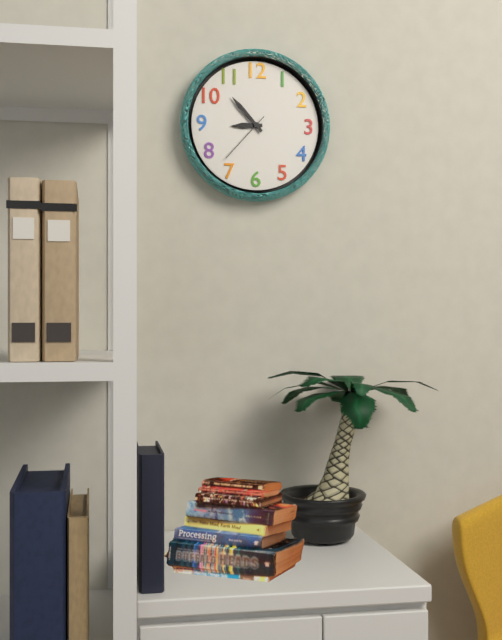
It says 8.53.37
